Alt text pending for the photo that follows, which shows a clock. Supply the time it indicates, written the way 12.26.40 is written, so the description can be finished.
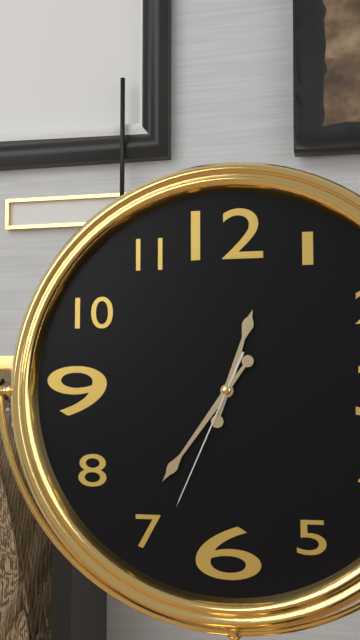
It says 12.36.34
